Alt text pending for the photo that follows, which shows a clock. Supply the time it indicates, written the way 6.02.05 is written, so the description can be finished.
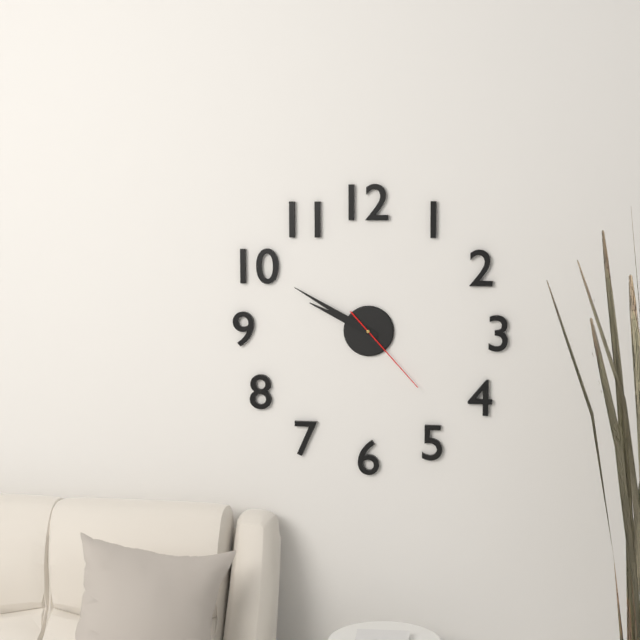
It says 9.50.23
